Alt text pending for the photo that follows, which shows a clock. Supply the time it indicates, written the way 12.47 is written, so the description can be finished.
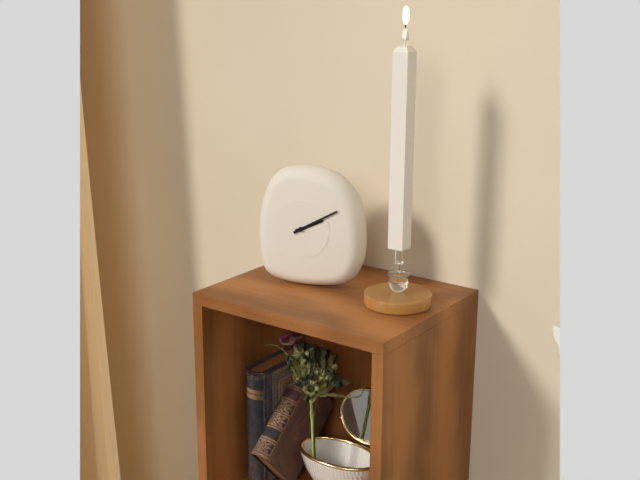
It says 2.10
